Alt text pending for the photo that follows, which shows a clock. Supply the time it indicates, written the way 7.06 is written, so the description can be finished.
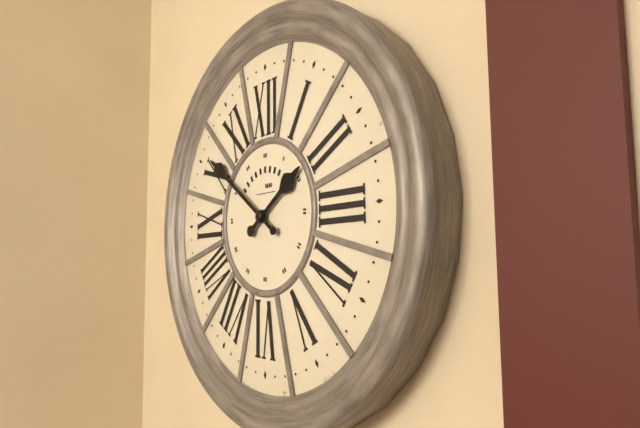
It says 1.51
